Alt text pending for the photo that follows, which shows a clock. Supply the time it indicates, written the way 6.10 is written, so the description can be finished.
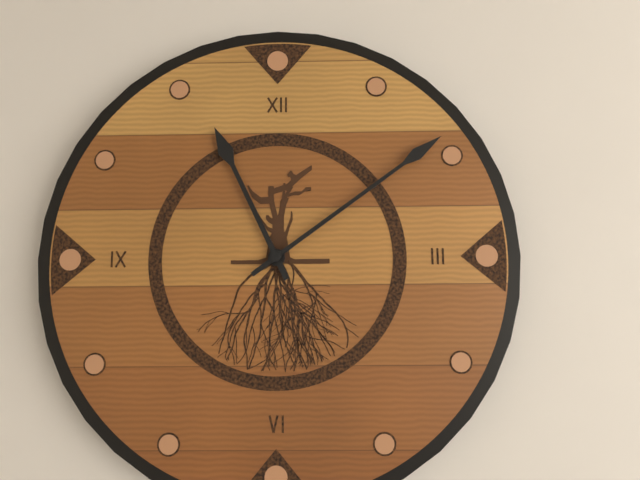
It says 11.09
